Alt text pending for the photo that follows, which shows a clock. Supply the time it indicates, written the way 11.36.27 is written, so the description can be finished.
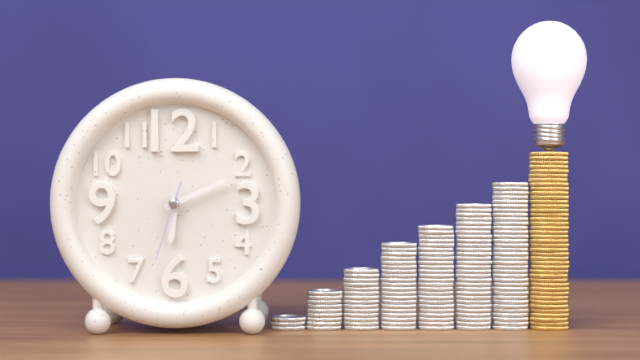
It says 6.11.33
